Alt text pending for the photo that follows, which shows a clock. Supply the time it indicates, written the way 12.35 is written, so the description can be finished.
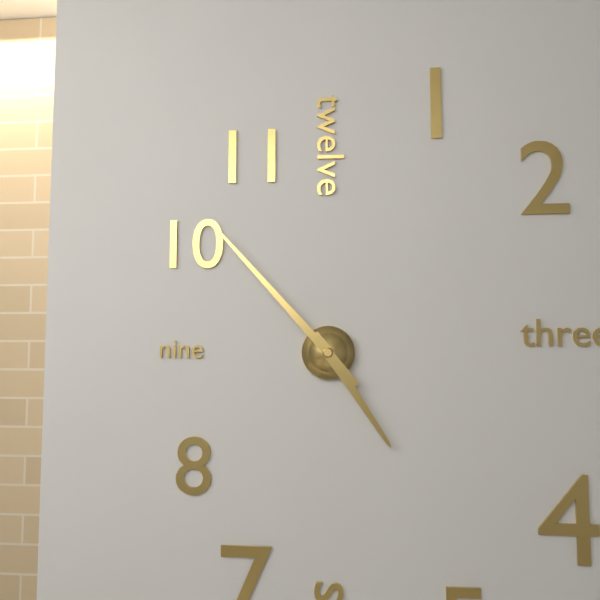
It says 4.53
